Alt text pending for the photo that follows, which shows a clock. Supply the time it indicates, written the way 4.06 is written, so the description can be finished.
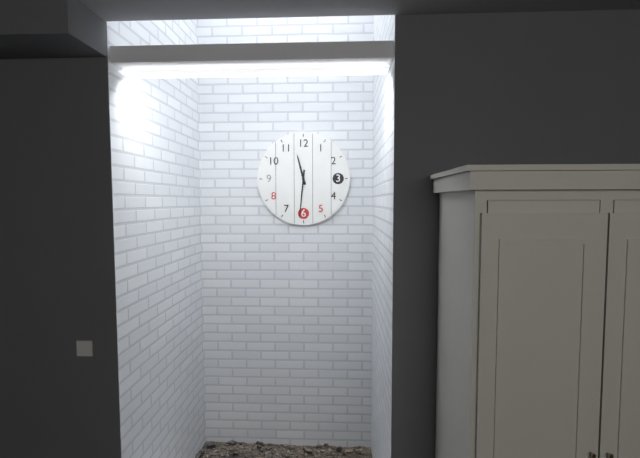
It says 11.31
